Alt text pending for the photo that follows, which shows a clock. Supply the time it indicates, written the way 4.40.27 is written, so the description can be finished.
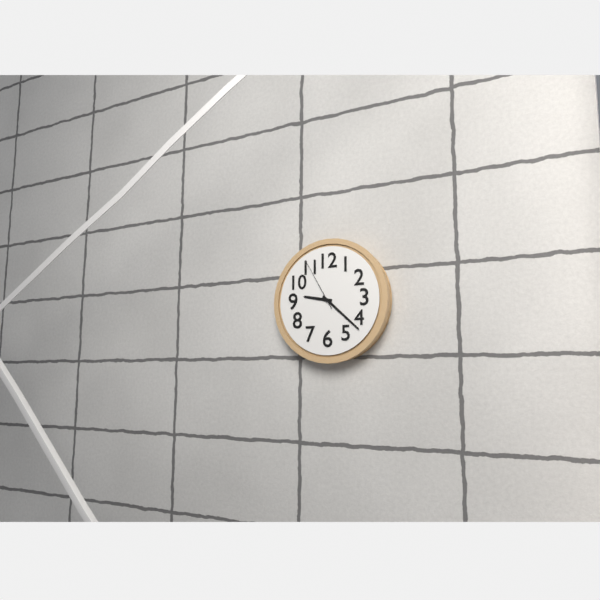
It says 9.22.55
